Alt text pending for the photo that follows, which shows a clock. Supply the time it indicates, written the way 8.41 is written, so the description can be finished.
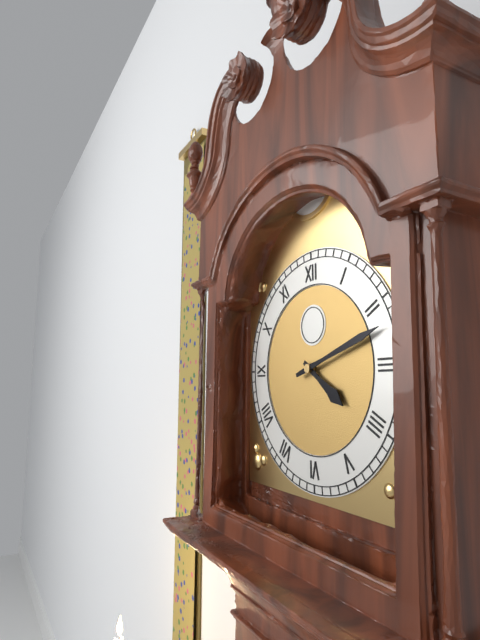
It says 4.12
